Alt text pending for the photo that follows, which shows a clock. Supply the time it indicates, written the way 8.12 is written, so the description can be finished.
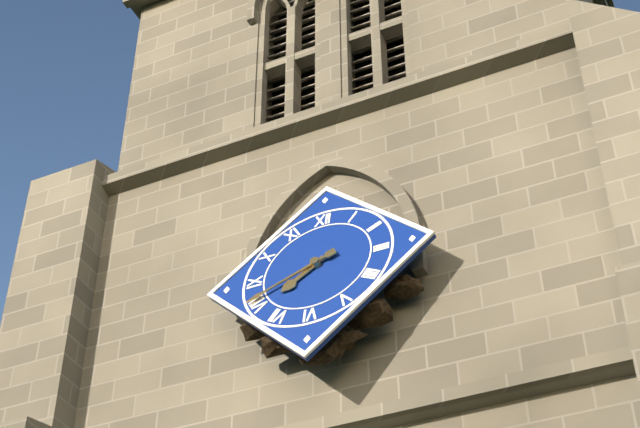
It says 7.41
